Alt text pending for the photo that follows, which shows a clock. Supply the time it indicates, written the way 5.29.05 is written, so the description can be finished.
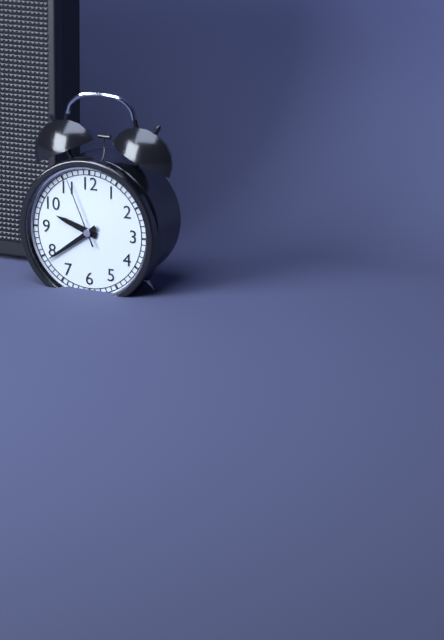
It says 9.39.56
